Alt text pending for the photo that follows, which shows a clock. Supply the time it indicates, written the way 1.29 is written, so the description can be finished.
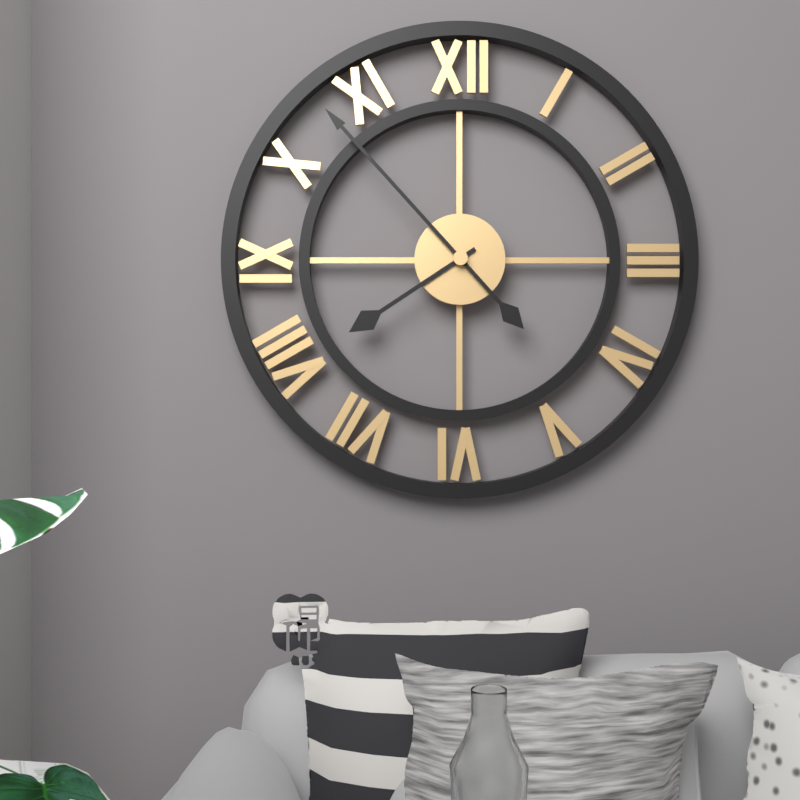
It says 7.53
